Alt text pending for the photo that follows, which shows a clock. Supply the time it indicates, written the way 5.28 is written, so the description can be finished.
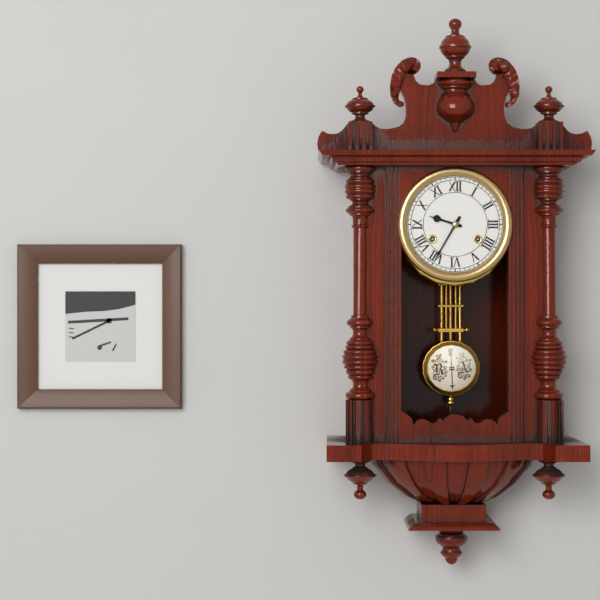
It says 9.35
